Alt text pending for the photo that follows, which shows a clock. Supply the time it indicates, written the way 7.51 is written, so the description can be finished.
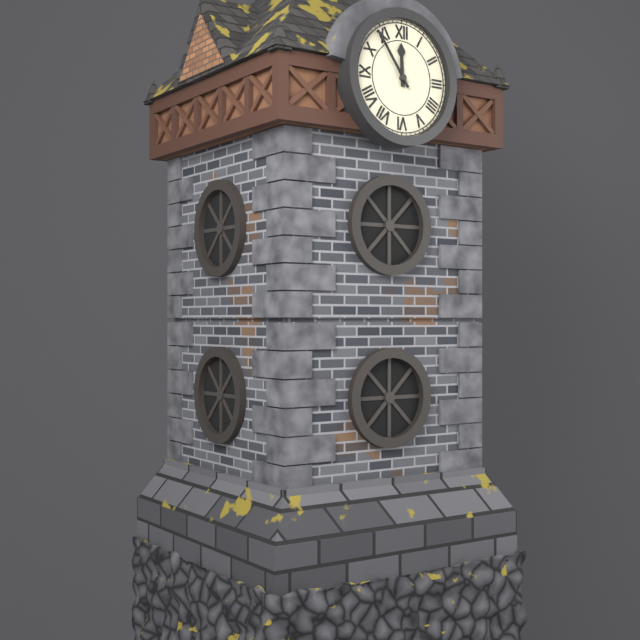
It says 11.54
